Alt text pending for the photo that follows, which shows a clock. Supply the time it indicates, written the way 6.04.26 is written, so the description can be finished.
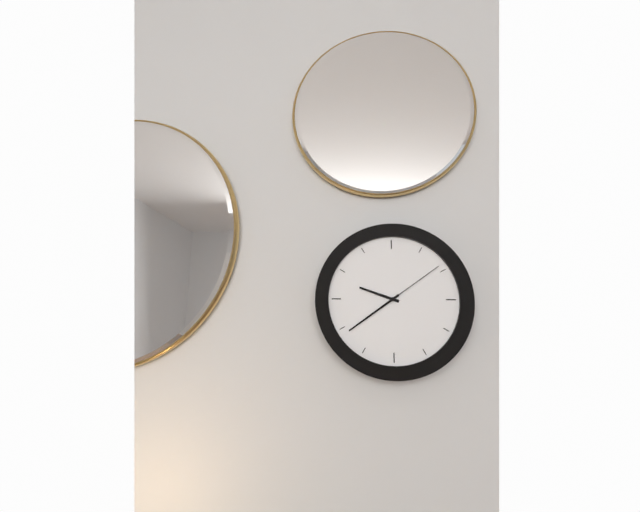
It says 9.39.09
